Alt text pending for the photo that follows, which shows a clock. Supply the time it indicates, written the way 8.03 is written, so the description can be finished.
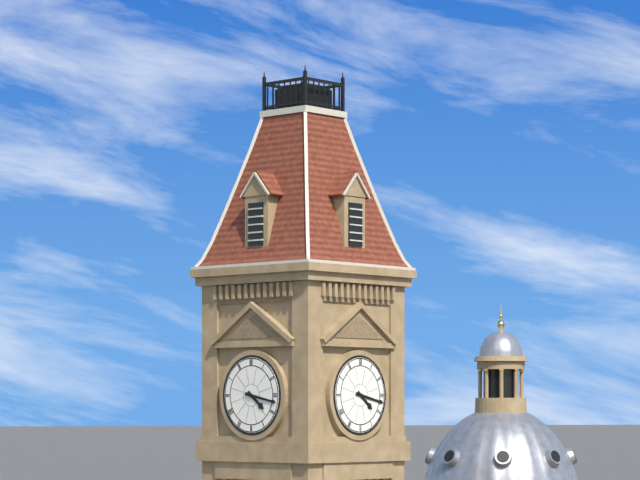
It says 4.17
